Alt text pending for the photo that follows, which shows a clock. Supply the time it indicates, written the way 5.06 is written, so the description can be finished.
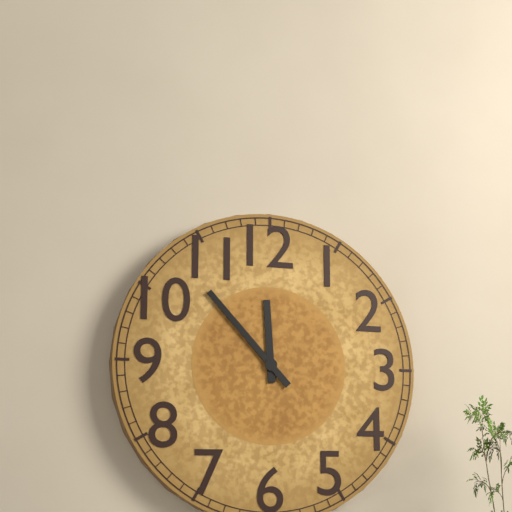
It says 11.53
